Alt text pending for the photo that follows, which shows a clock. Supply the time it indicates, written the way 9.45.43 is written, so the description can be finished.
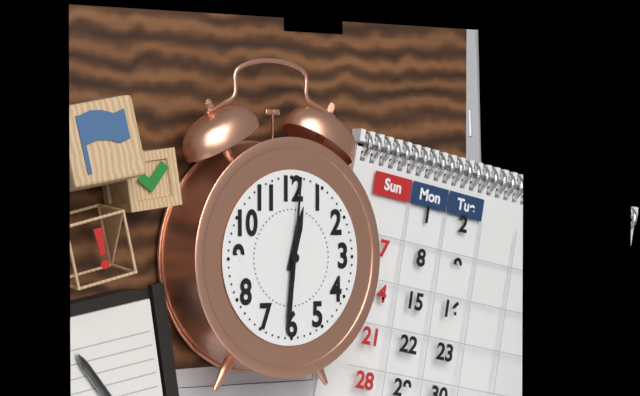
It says 12.31.01
